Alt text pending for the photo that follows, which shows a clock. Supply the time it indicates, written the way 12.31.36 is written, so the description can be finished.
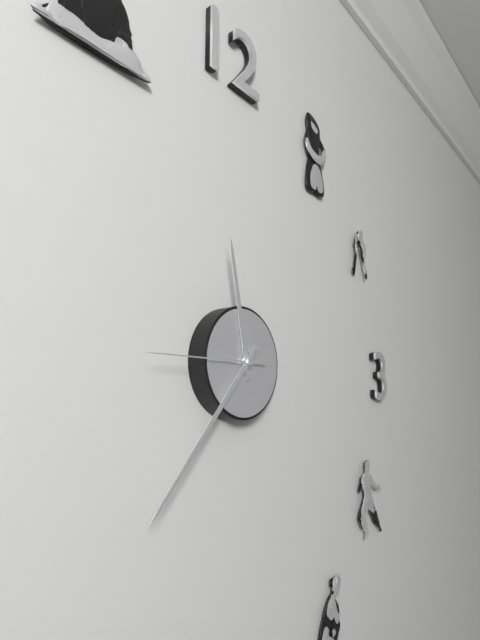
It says 11.37.45
